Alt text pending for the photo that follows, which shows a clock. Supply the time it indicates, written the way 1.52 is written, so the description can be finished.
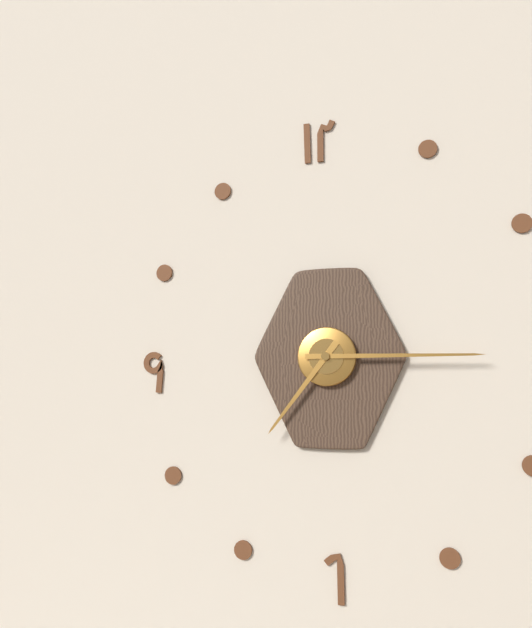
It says 7.15
